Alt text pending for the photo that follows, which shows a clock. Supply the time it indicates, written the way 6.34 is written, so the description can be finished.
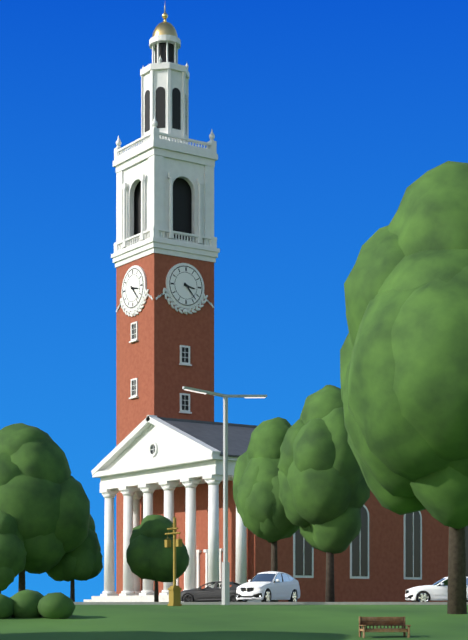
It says 3.23
